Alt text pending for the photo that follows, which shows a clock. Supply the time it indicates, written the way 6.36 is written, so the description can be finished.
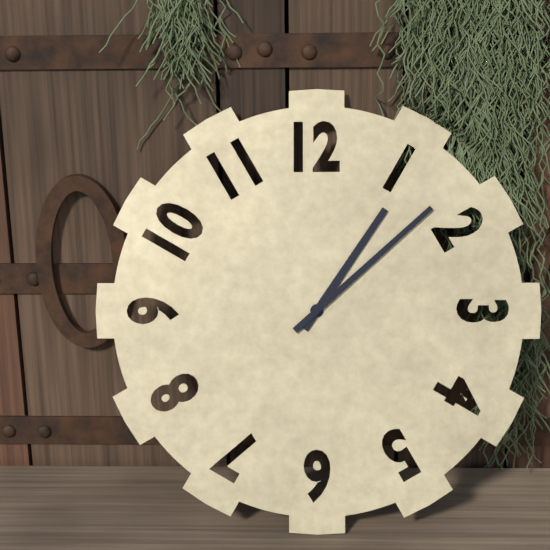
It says 1.08
